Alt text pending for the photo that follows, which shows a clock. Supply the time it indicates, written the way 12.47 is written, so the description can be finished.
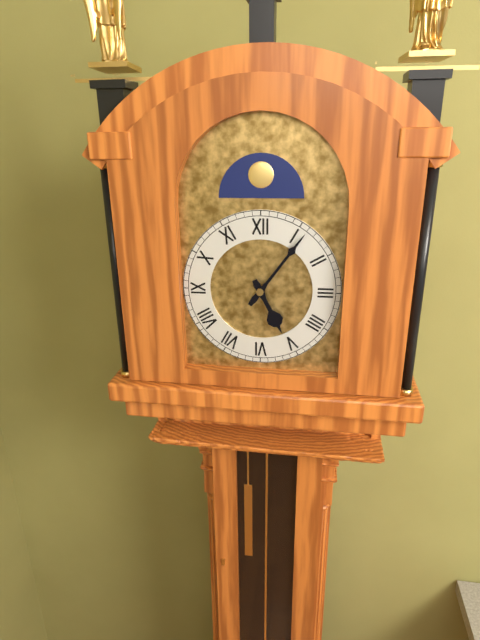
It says 5.06
